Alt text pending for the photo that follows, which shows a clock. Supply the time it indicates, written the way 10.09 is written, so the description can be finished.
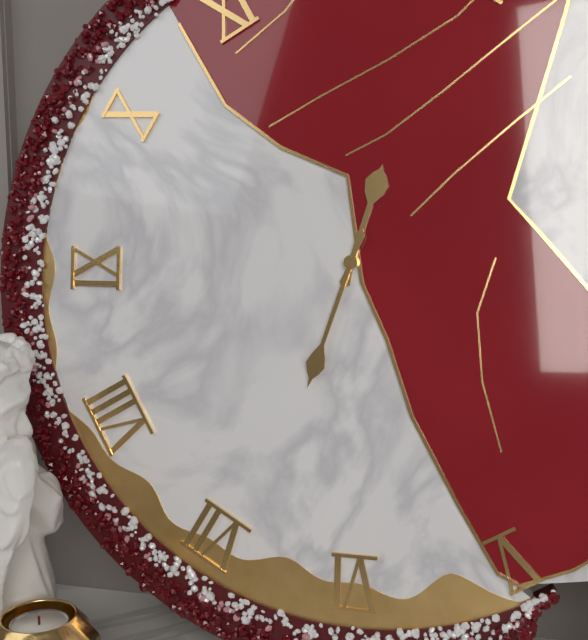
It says 12.33
